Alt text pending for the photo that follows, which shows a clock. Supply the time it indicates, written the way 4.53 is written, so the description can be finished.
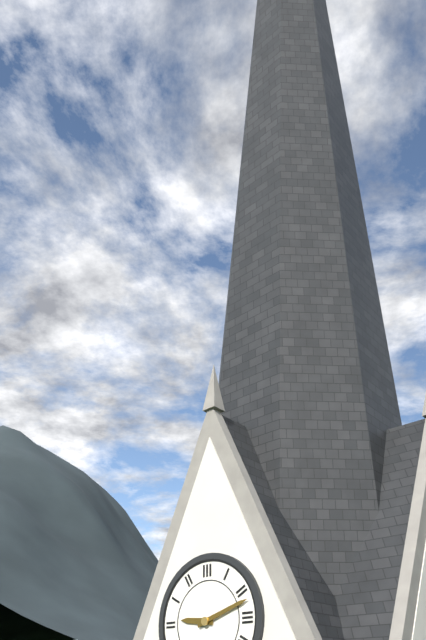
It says 9.12
